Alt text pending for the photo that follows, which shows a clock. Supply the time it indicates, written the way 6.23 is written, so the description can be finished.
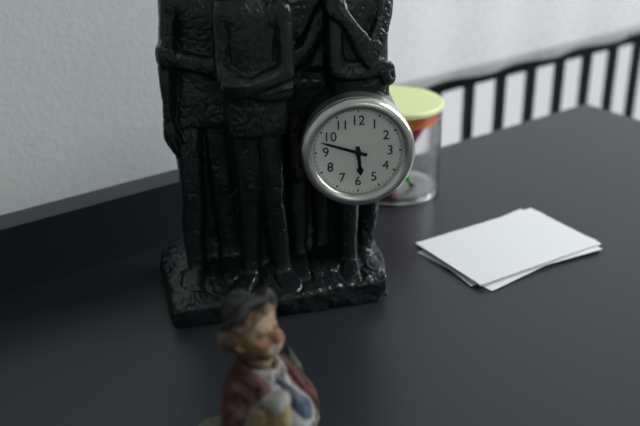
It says 5.48
